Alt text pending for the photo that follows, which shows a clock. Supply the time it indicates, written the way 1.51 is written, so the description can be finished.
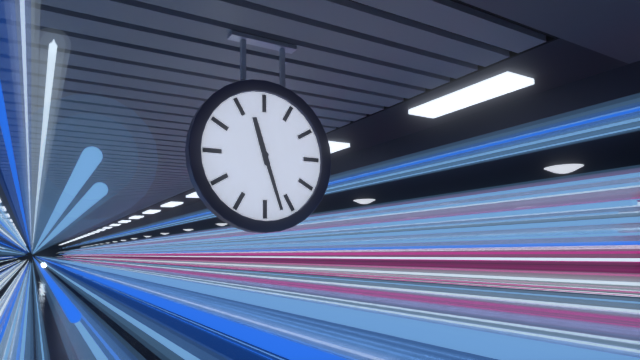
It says 11.27
